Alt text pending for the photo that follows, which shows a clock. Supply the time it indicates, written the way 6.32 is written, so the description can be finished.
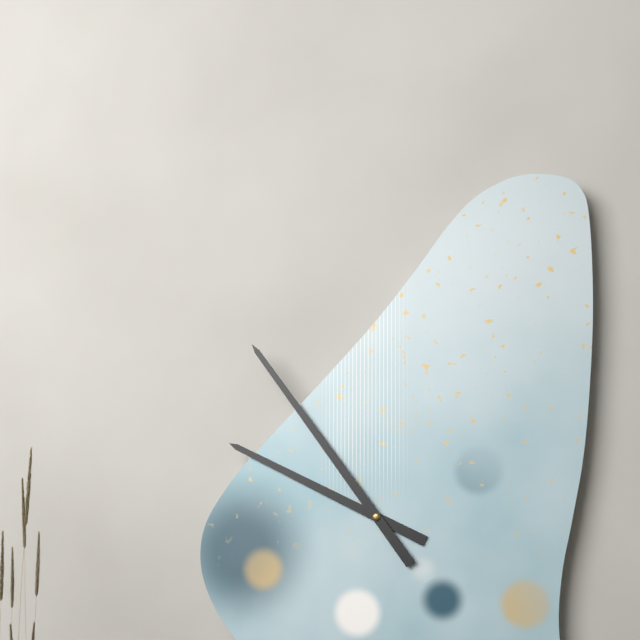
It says 9.54
